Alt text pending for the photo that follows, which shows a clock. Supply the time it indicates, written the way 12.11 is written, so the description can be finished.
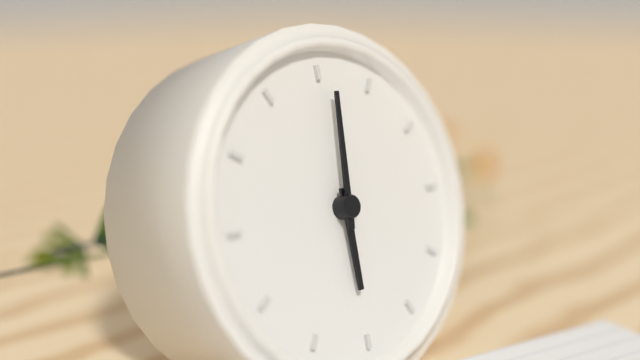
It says 6.01
